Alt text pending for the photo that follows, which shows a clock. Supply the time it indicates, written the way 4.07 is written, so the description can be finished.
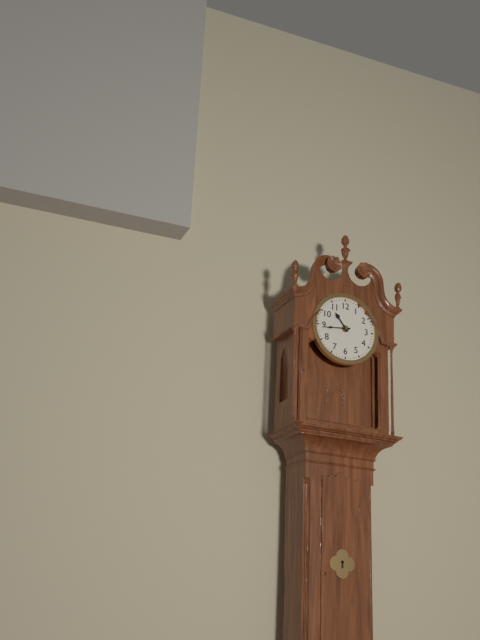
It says 10.44
